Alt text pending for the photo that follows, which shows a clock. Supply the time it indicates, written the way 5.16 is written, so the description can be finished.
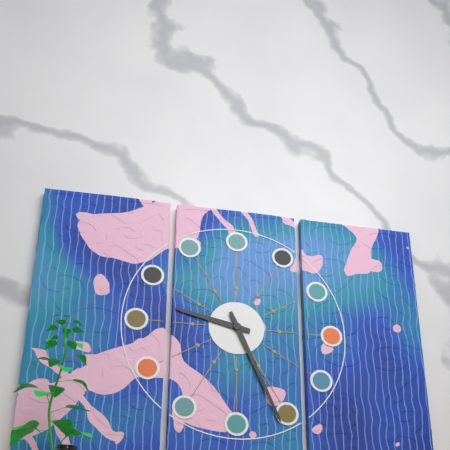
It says 9.26
